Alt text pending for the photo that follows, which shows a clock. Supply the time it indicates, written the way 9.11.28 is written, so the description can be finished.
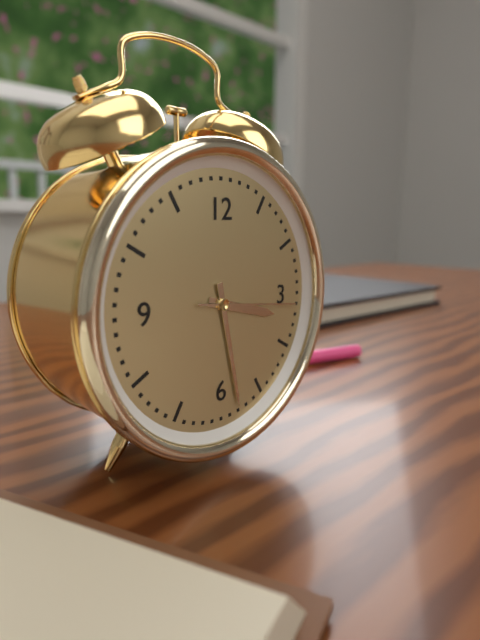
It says 3.28.16
